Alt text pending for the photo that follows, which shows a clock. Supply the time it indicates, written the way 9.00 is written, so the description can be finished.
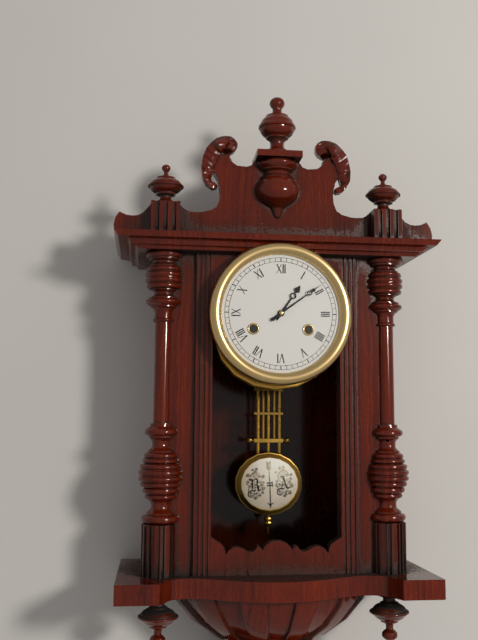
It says 1.09
